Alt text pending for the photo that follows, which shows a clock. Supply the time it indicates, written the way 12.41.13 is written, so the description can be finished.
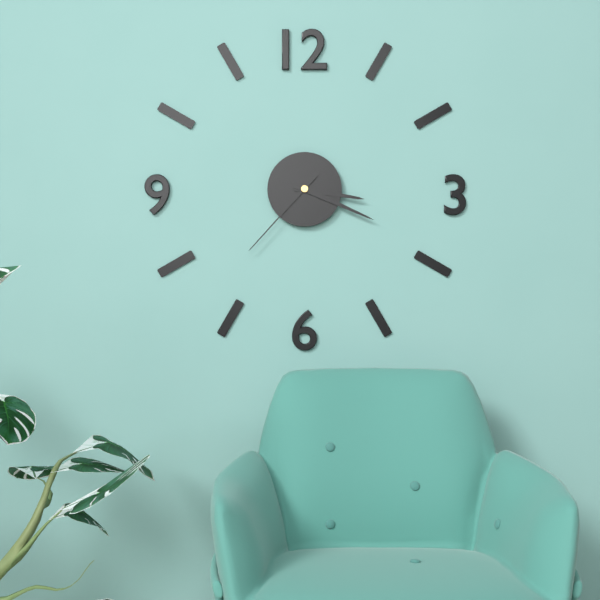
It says 3.19.37
